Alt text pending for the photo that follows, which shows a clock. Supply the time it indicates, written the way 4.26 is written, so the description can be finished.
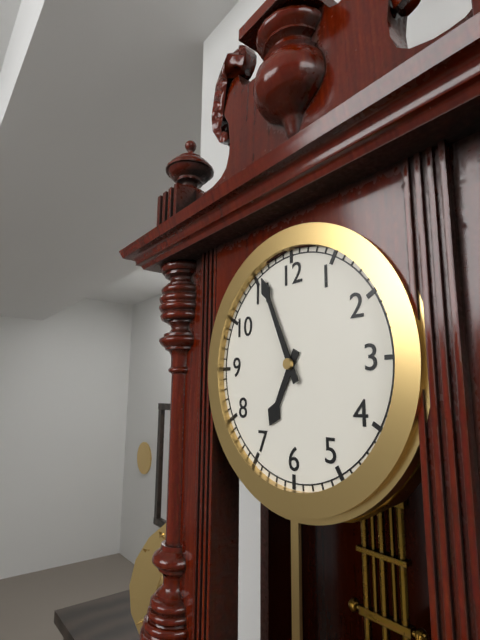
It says 6.56
